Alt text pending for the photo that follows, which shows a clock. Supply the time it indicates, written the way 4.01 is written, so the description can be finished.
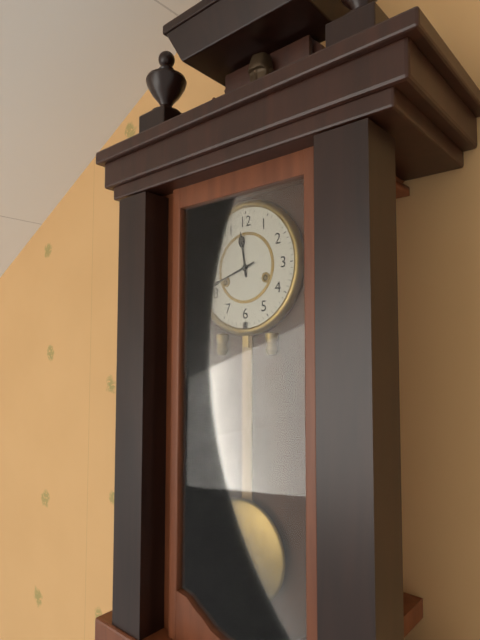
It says 11.42
